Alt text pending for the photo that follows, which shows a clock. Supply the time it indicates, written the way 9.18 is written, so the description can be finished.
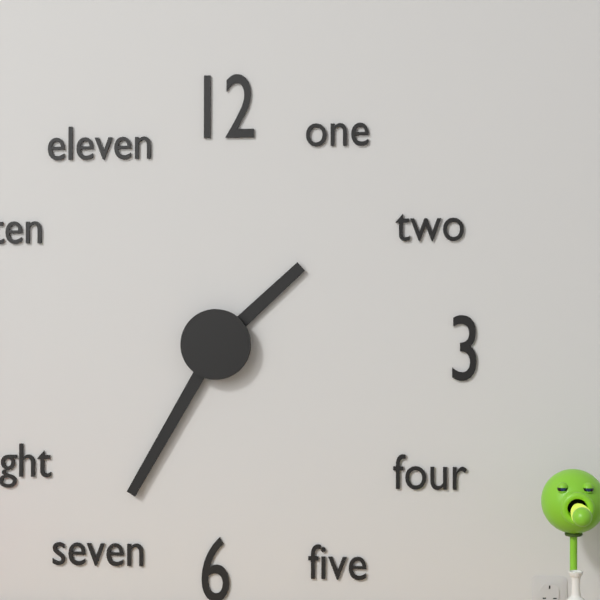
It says 1.35
